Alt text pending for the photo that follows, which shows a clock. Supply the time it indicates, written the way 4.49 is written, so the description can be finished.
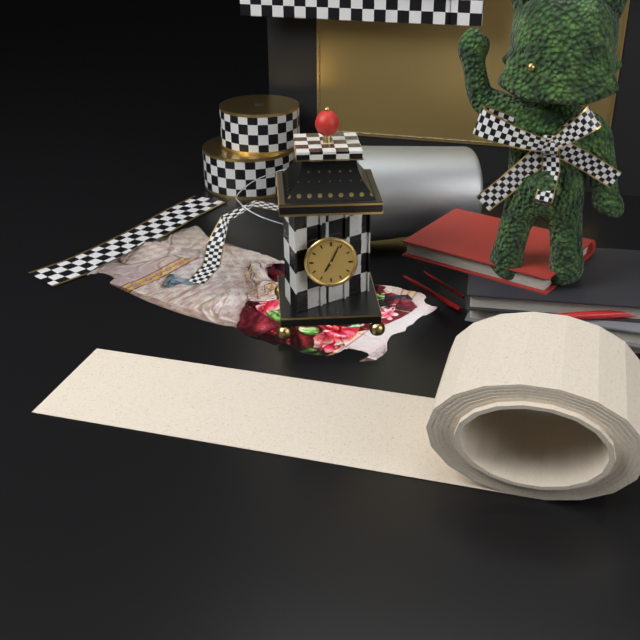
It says 7.04
